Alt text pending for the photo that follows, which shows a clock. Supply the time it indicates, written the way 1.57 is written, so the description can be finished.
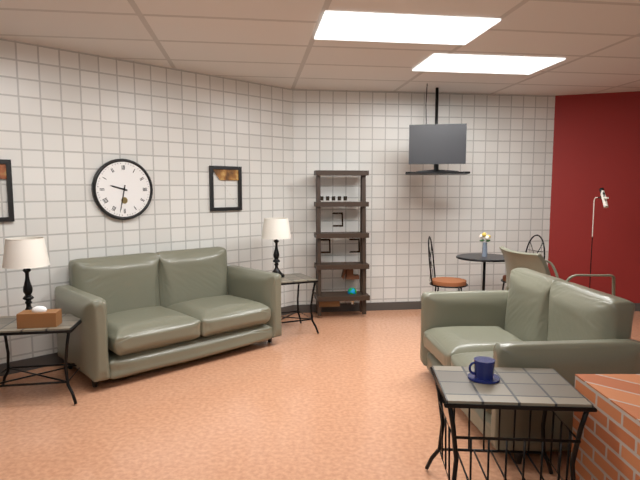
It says 9.32
